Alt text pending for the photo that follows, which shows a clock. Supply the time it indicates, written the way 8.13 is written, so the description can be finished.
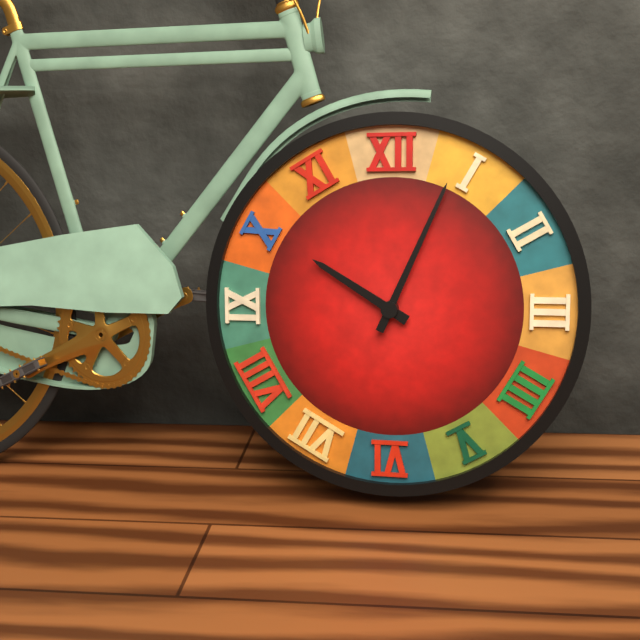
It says 10.04
